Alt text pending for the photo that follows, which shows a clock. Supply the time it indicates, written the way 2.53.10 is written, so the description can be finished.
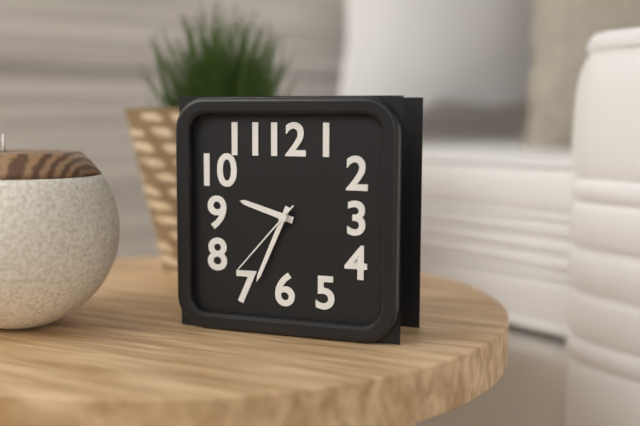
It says 9.34.37
